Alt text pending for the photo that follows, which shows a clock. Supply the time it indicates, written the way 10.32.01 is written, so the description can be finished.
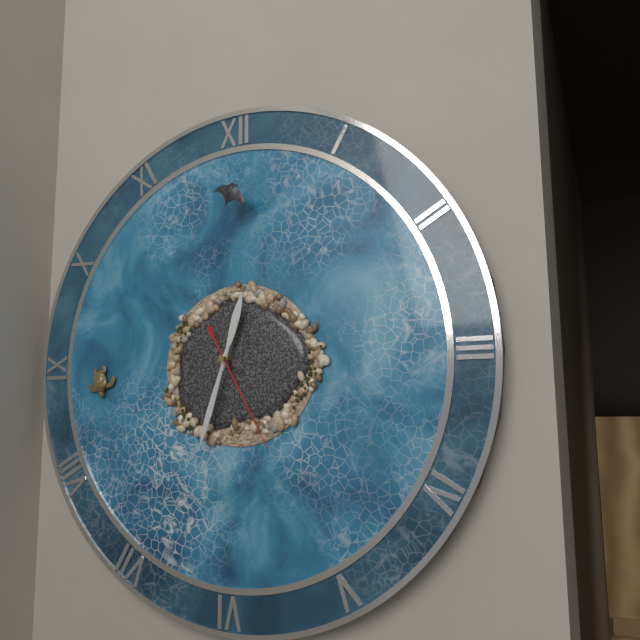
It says 12.33.25
